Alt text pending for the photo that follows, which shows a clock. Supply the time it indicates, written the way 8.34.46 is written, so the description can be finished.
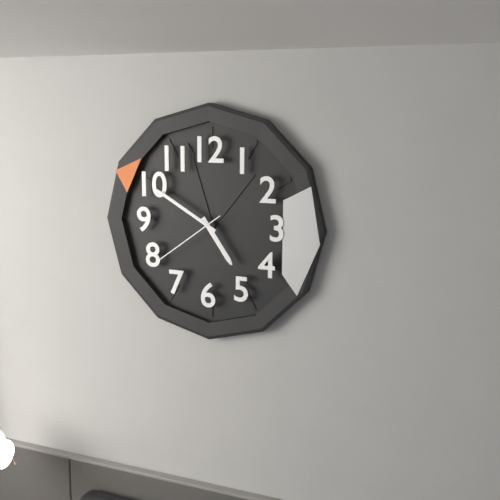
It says 4.50.39
